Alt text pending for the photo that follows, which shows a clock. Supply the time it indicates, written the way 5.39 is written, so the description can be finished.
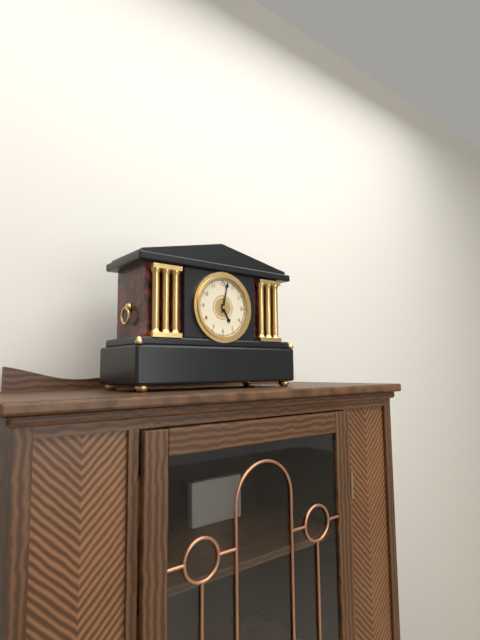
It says 5.02
